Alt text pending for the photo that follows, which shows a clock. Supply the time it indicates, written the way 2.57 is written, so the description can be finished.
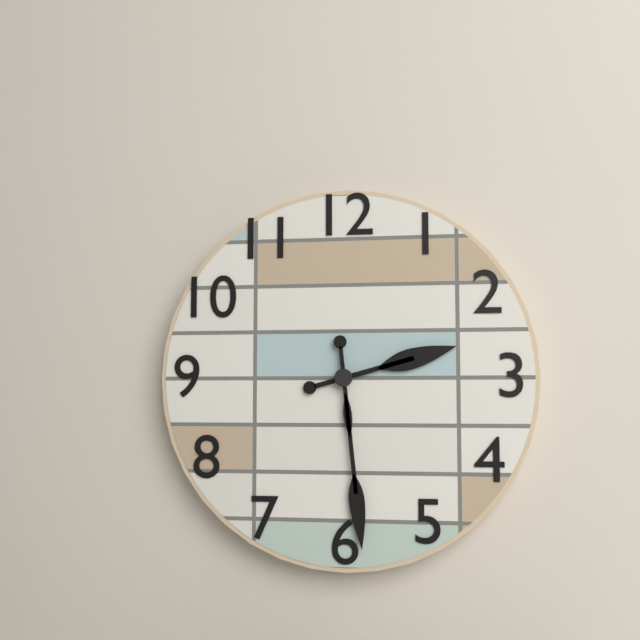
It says 2.29
